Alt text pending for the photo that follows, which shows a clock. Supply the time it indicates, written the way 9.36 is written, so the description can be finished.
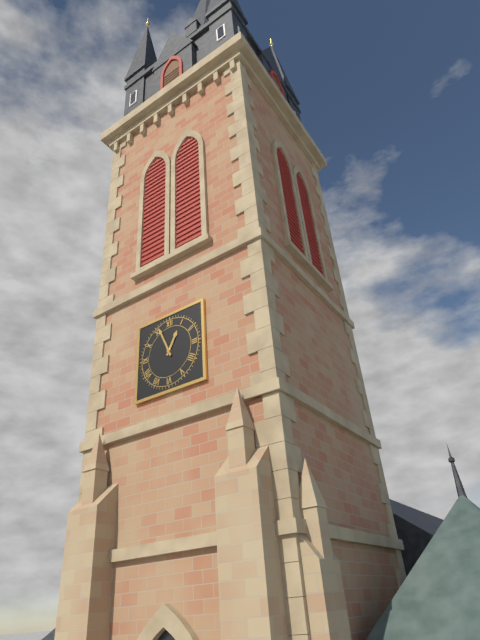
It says 12.56
